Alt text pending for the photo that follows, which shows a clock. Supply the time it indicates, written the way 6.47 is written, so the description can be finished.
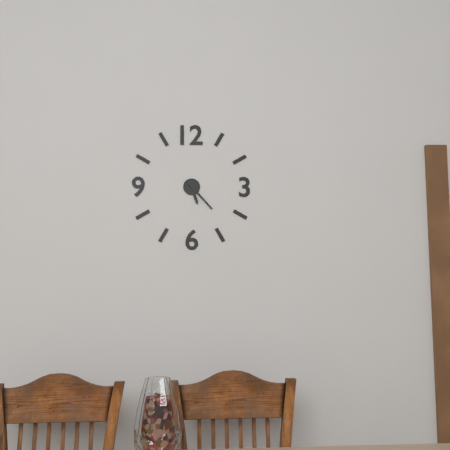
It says 5.23
